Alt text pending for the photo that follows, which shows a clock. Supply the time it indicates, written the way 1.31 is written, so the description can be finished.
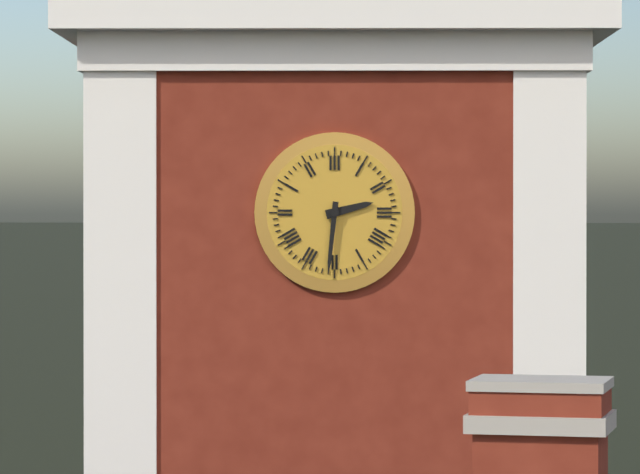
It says 2.31
